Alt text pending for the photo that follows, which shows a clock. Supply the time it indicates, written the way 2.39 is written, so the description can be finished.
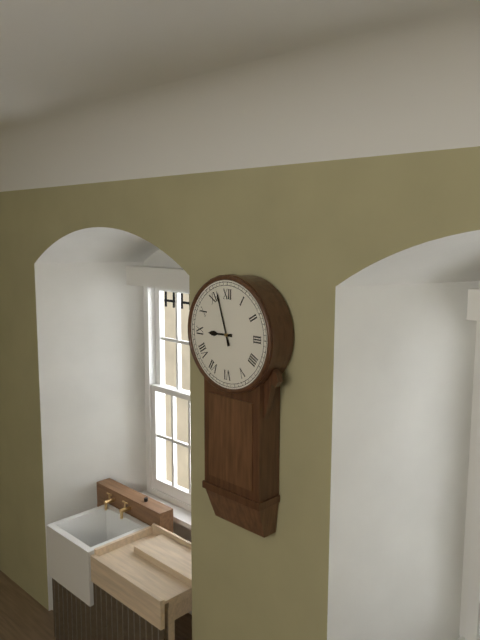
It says 8.57
